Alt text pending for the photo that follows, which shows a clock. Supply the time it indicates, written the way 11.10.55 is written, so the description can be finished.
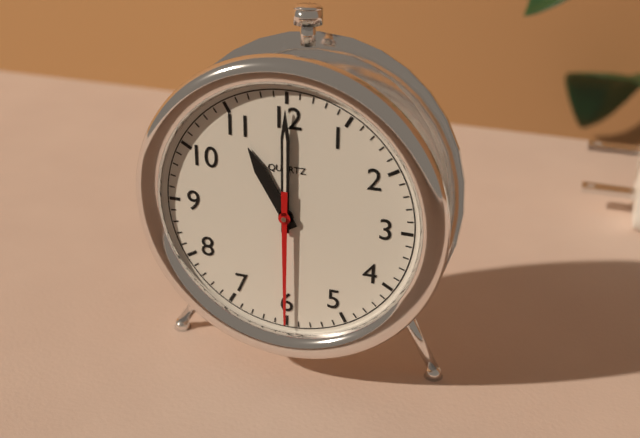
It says 11.00.30
